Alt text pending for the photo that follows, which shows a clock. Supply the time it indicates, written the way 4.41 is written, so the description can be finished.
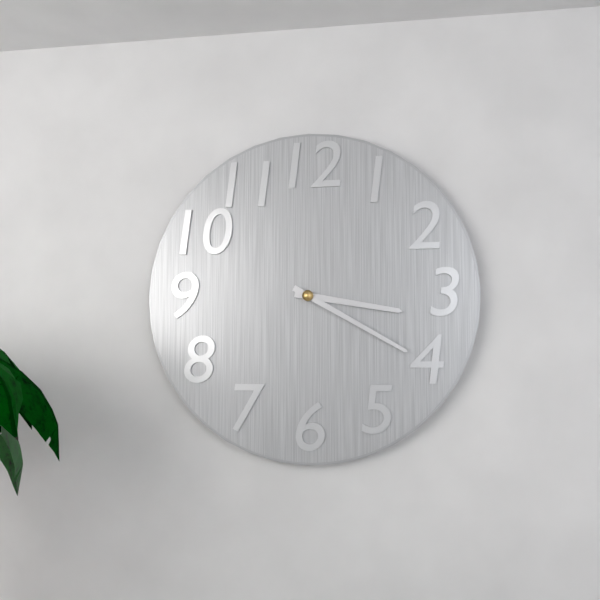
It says 3.20
